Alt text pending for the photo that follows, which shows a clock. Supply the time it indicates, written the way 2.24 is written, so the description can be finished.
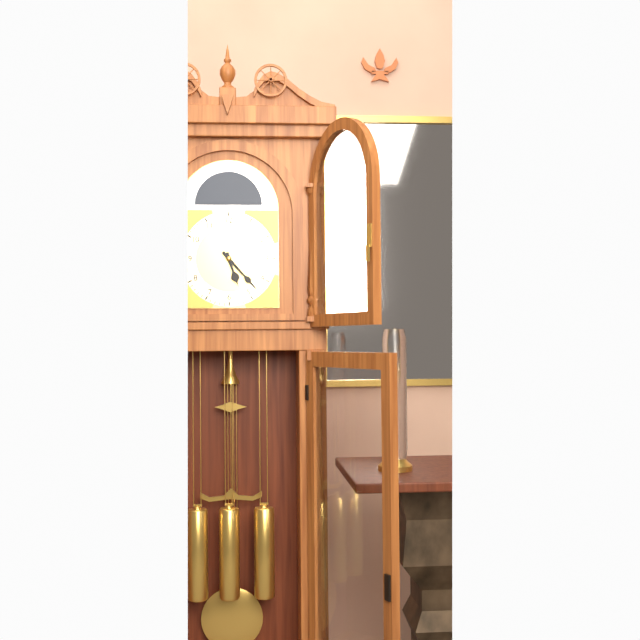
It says 5.23
